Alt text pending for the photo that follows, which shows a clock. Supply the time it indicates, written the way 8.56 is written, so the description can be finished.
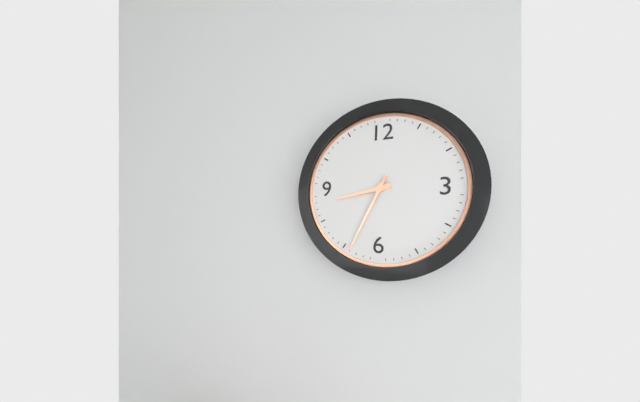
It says 8.34
